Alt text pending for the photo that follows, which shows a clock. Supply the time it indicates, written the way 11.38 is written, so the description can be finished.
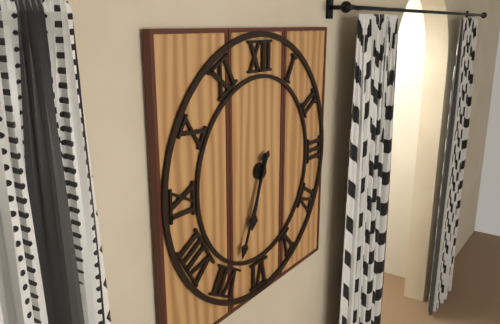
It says 6.34
